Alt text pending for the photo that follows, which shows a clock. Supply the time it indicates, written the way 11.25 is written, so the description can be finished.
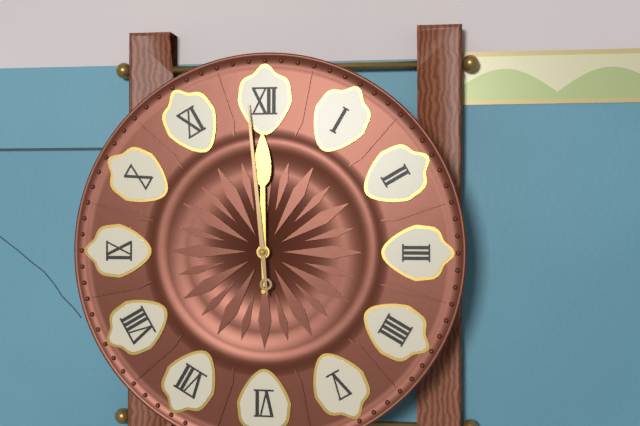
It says 11.59
